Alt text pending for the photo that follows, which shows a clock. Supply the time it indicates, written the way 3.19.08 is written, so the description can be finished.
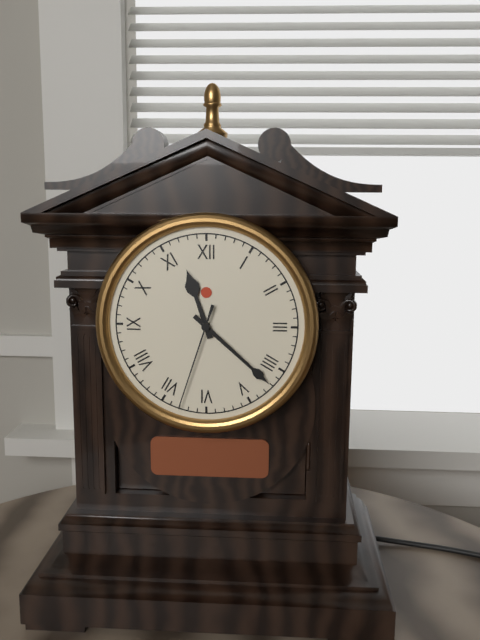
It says 11.22.33
